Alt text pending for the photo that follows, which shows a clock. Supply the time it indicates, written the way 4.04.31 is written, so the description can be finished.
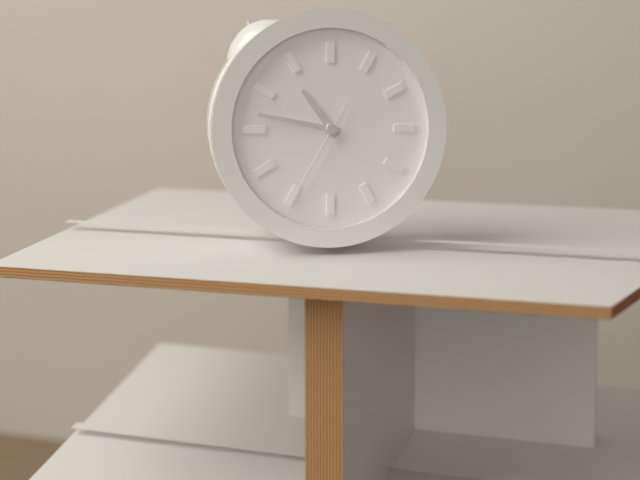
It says 10.47.35
